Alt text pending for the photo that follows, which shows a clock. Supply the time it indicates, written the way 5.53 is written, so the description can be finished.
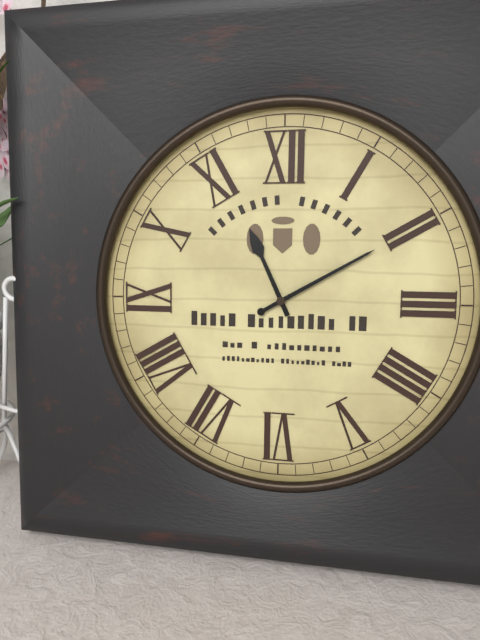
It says 11.10
